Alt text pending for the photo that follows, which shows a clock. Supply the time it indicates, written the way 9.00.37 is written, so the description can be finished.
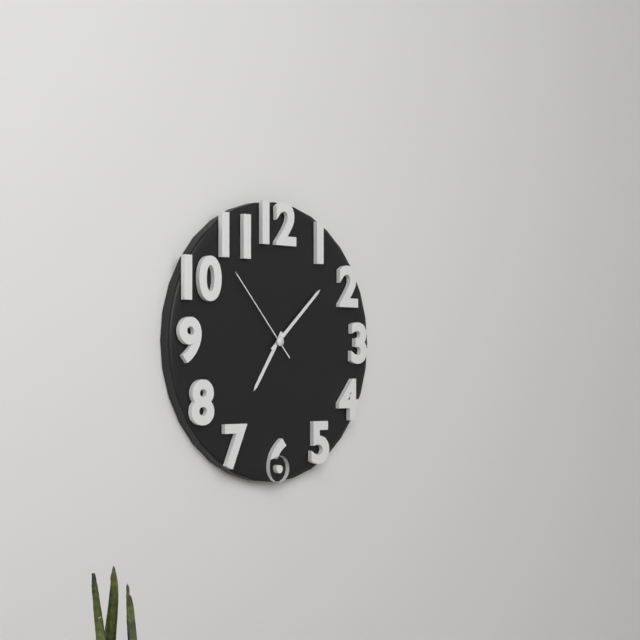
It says 7.08.53
